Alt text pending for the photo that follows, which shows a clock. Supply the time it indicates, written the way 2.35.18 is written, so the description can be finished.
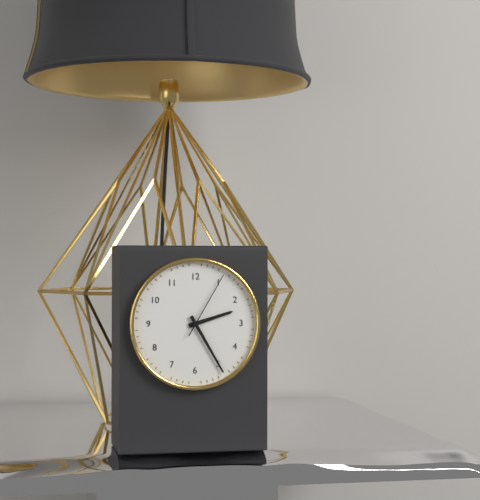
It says 2.25.05
